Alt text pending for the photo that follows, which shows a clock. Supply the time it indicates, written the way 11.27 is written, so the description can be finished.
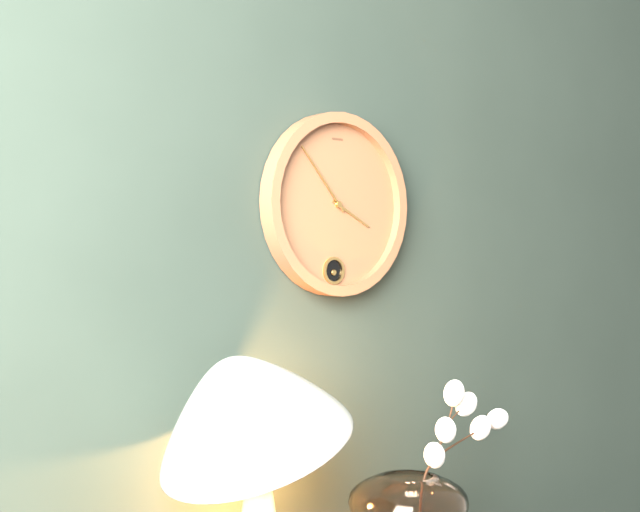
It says 3.53
